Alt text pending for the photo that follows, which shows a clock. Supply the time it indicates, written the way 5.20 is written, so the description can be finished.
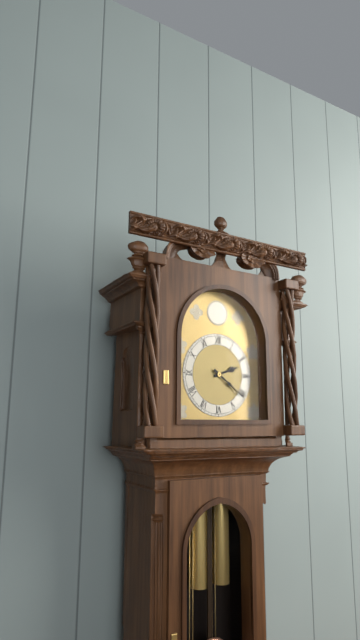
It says 2.21
